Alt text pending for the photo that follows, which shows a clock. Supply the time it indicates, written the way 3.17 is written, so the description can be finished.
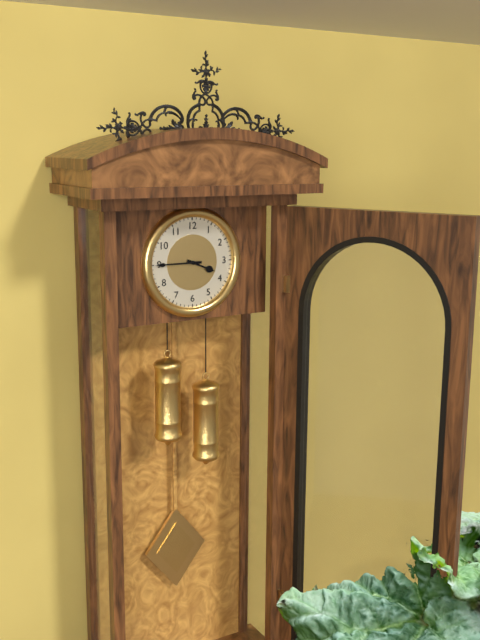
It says 3.45
